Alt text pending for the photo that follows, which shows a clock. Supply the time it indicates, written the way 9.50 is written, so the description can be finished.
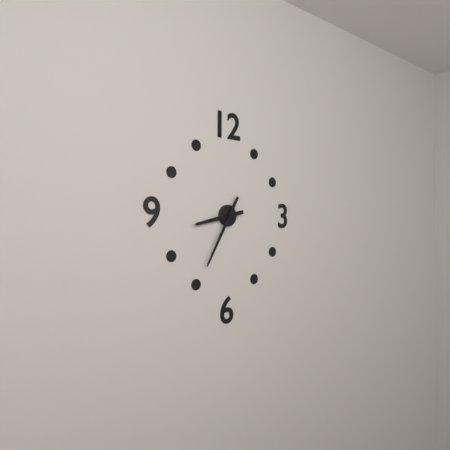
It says 8.35
